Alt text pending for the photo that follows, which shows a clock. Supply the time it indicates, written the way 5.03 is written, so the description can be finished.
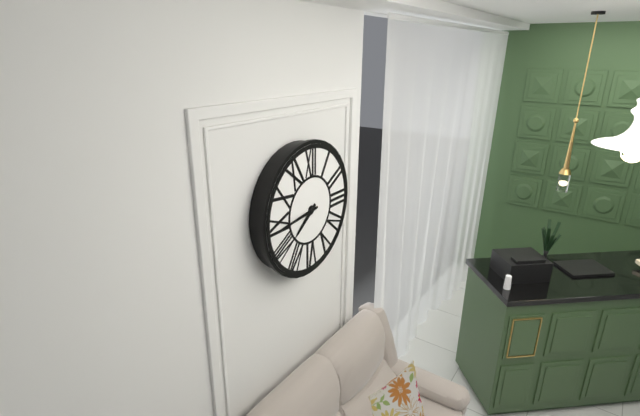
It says 7.44
